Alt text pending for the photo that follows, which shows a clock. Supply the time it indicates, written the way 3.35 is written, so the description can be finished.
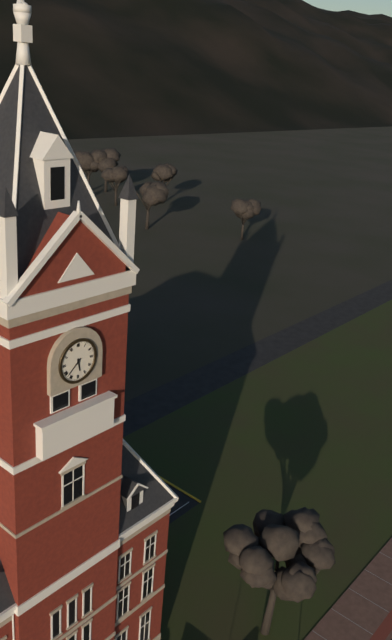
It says 5.38
